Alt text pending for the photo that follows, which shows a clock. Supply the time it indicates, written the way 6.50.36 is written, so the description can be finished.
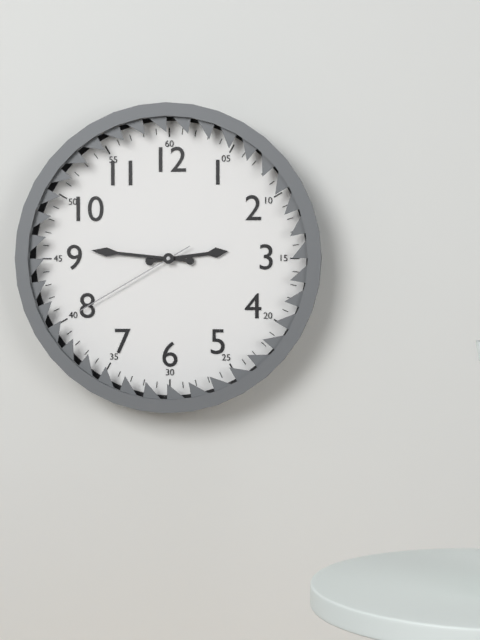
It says 2.46.40
